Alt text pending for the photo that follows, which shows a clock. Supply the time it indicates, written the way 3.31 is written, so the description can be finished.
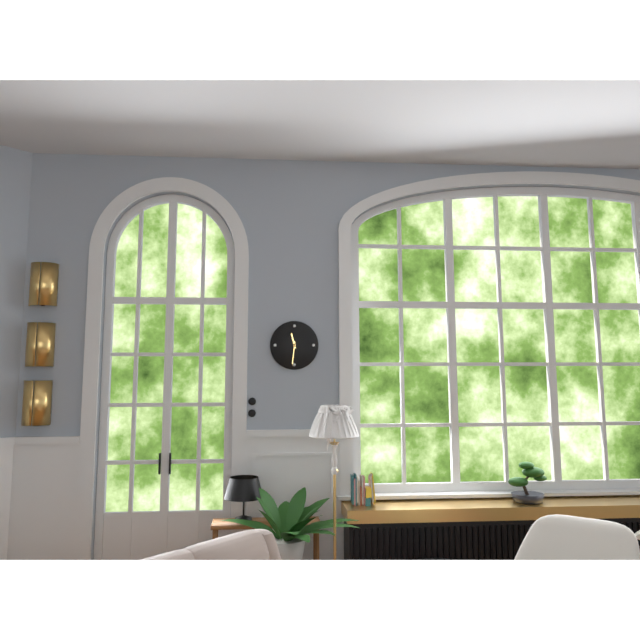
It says 11.31
